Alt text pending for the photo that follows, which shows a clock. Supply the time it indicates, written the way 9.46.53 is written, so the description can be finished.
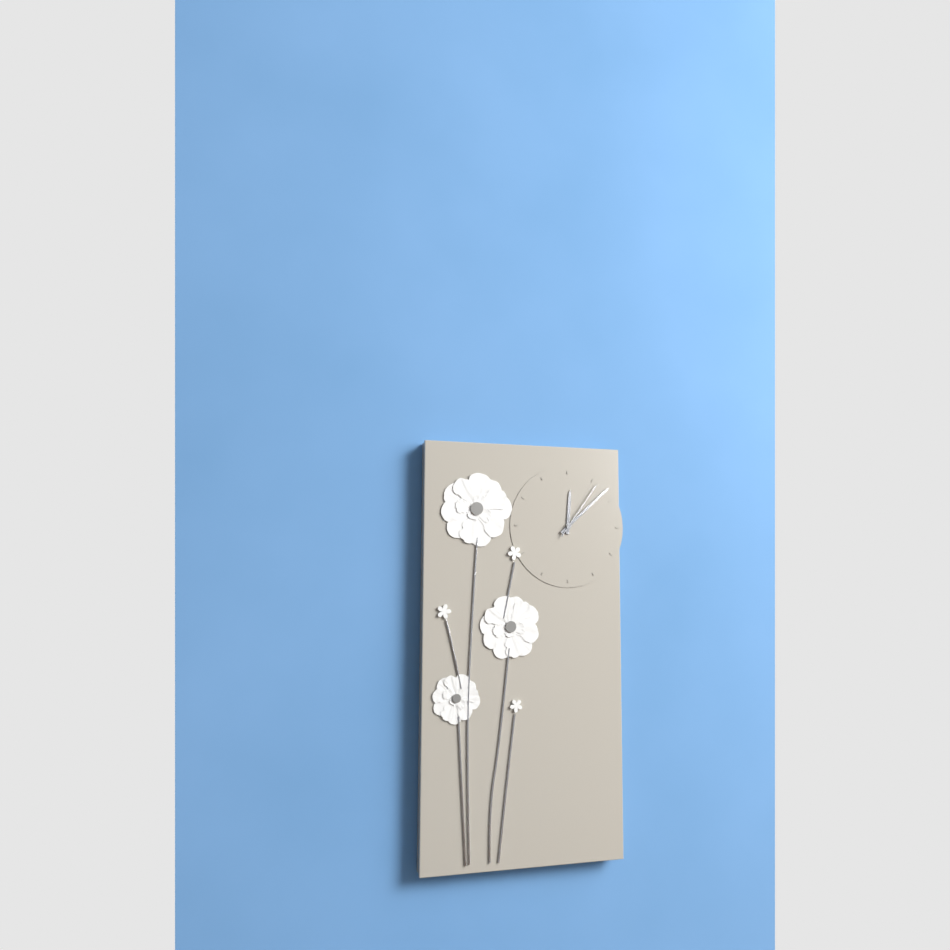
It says 12.08.06
